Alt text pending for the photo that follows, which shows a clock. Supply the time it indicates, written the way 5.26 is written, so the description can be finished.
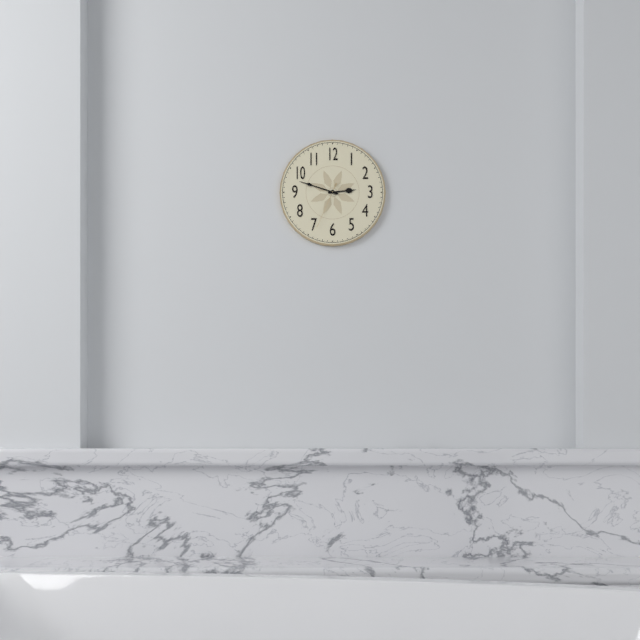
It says 2.48
